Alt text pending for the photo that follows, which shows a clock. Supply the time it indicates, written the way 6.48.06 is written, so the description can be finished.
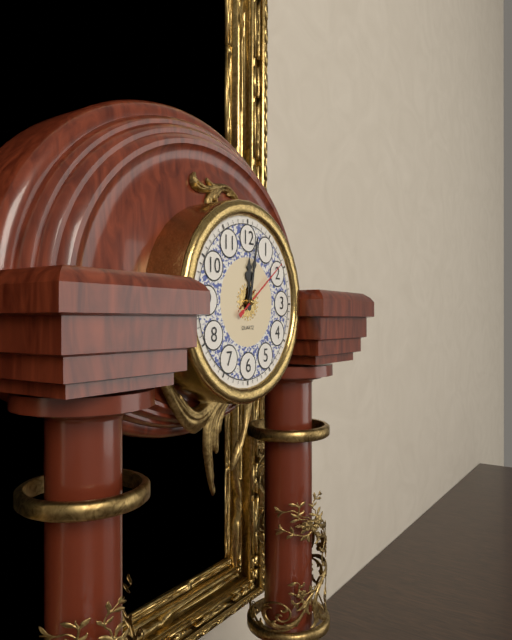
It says 12.02.09
